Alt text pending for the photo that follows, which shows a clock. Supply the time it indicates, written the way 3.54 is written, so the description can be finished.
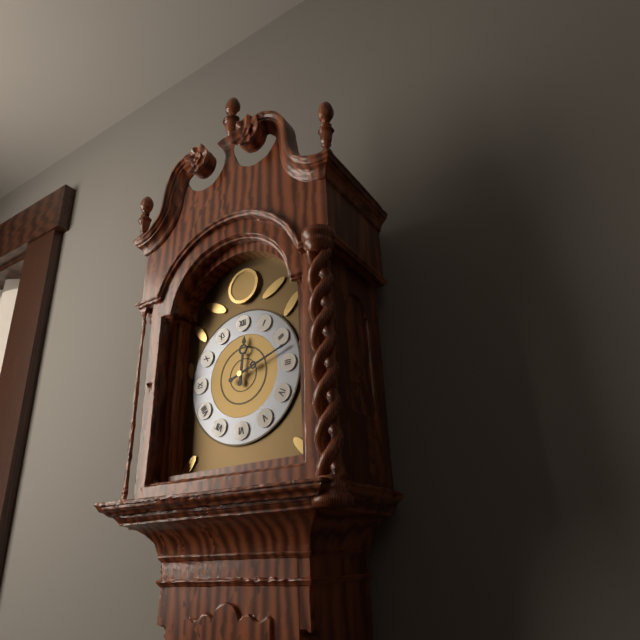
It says 12.12
